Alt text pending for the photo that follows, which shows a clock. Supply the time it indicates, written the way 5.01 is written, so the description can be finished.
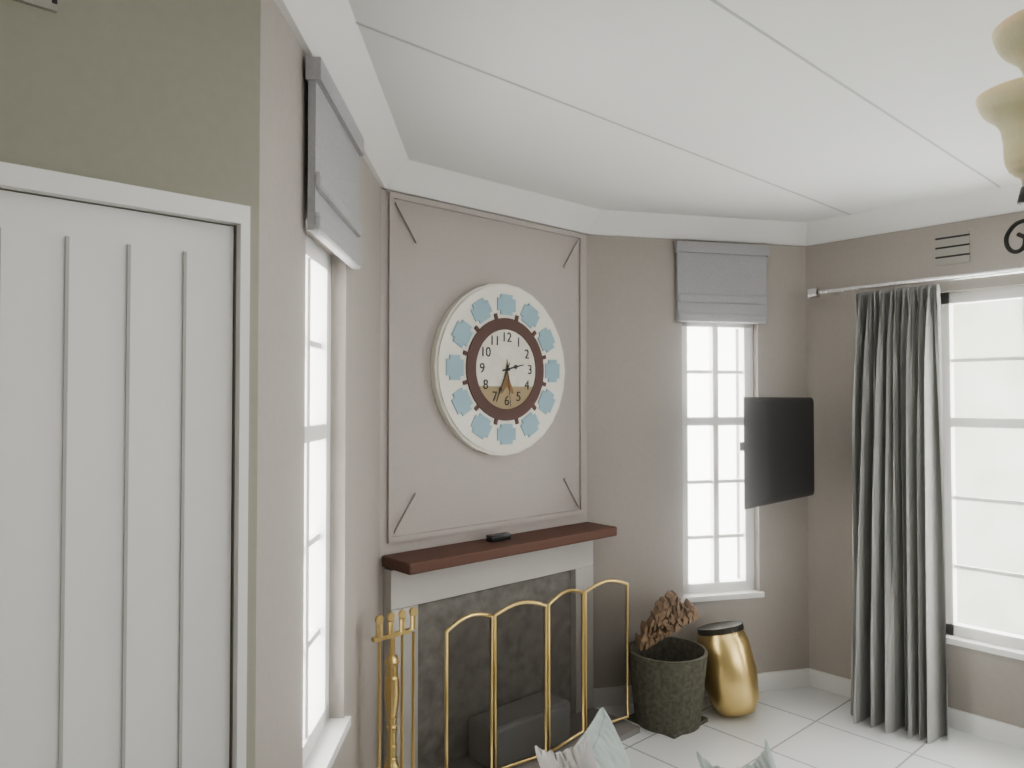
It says 2.34
